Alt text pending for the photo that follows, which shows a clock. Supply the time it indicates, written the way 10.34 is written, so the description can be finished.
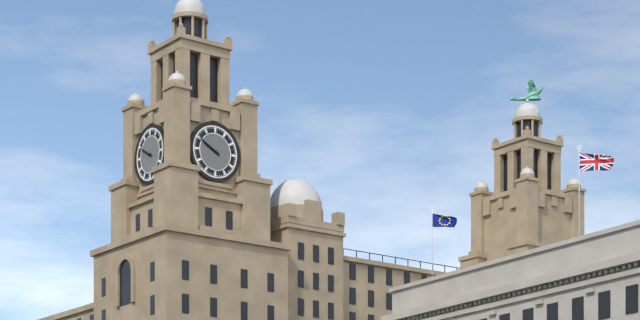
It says 9.50
